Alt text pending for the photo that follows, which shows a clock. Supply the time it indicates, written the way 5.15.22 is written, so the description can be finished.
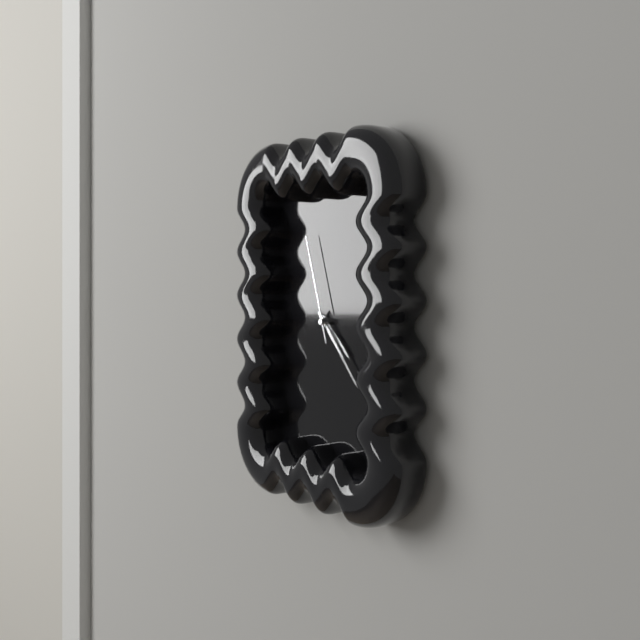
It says 4.23.57
